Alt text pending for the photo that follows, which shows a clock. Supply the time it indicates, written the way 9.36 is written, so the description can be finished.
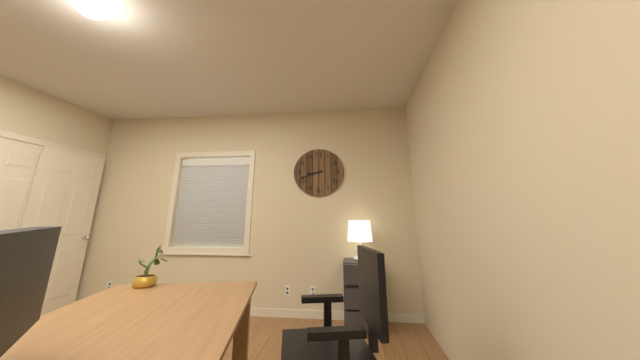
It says 8.42
